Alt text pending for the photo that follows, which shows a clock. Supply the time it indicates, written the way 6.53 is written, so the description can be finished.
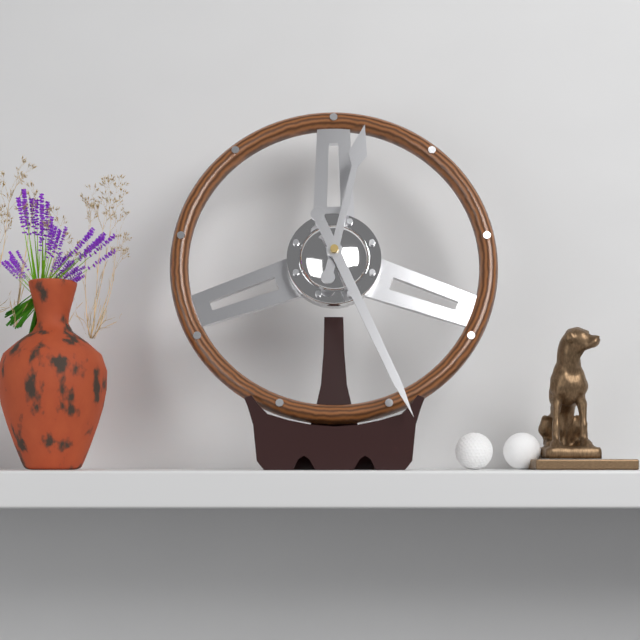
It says 12.26
